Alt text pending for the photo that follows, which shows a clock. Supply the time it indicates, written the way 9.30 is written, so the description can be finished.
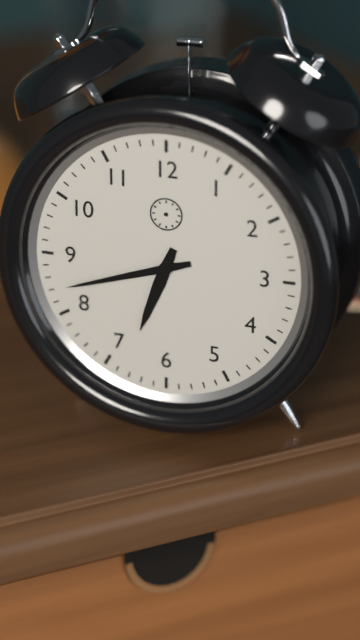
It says 6.42
